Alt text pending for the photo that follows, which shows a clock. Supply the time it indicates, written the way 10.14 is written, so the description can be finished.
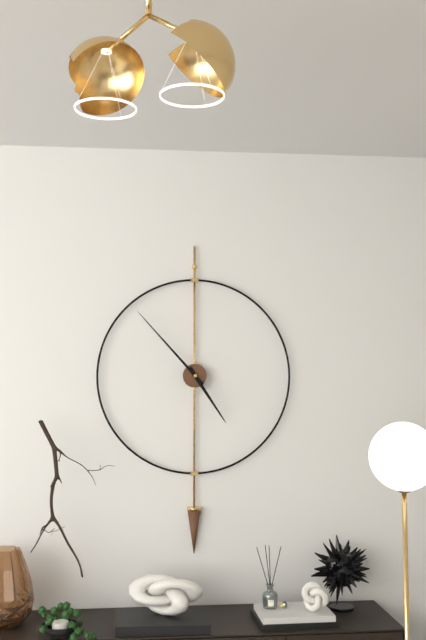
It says 4.53
